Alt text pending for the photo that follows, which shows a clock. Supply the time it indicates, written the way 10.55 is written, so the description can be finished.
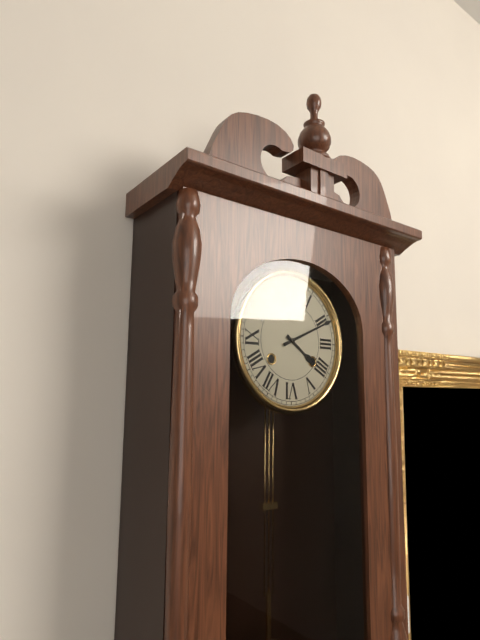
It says 4.11
